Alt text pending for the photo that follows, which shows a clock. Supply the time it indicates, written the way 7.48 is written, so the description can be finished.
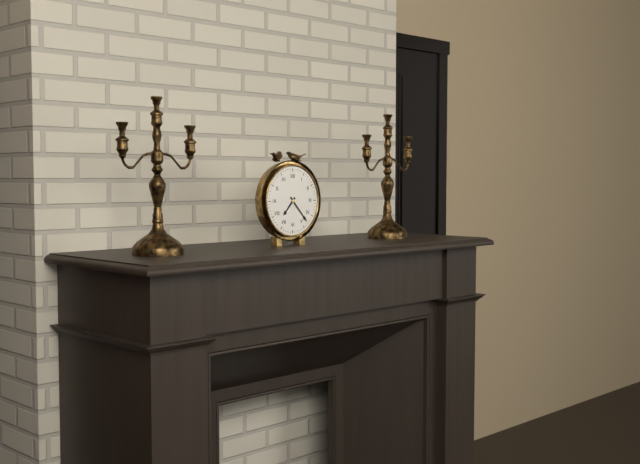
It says 7.23
